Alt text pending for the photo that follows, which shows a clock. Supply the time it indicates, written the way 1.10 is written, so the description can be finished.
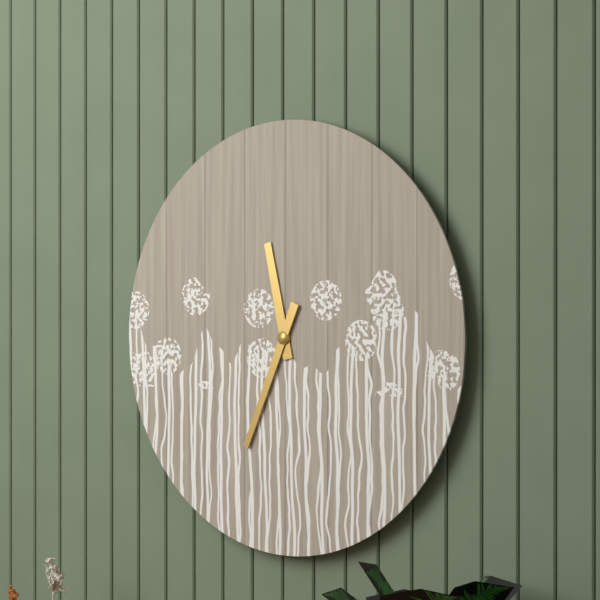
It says 11.34
